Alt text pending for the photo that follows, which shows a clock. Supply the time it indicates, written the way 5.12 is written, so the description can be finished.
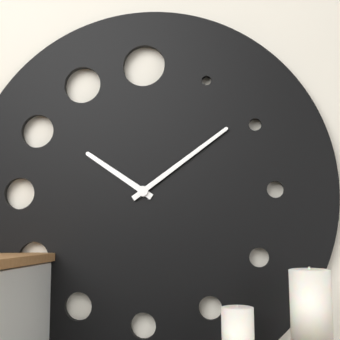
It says 10.09
